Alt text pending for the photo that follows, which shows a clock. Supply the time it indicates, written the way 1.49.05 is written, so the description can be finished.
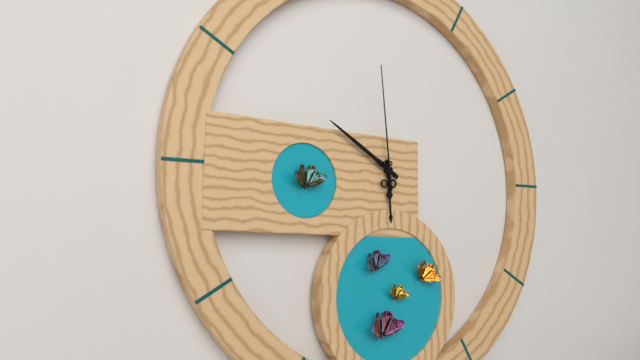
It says 5.50.59
